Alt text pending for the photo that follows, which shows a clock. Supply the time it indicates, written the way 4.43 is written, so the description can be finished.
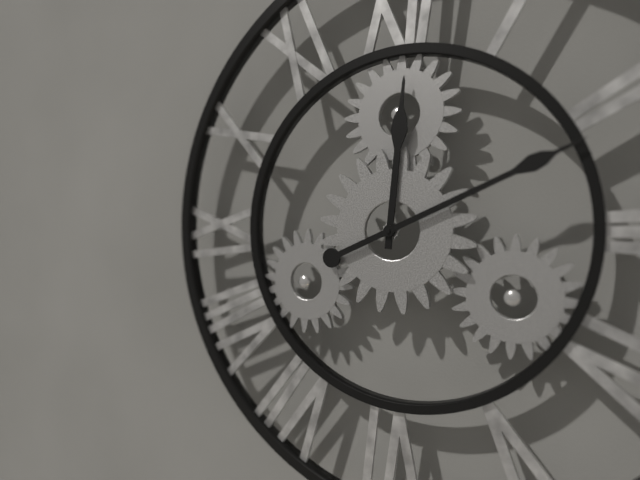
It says 12.11
